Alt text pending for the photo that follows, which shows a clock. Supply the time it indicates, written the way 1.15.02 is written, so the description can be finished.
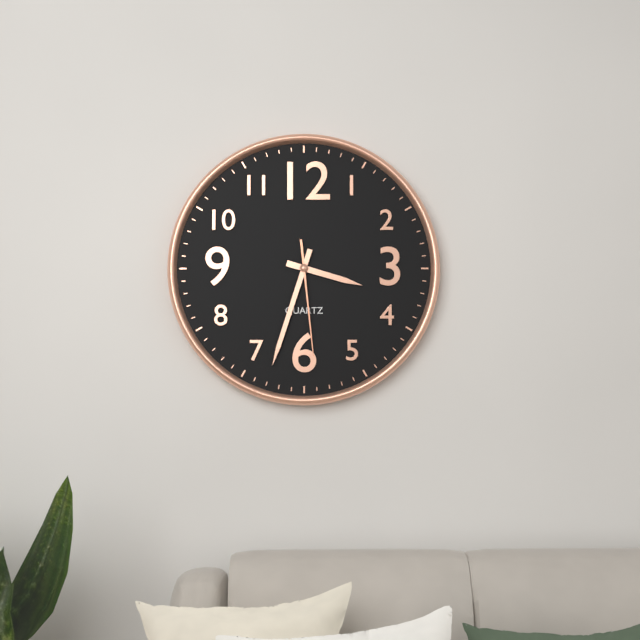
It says 3.33.29
